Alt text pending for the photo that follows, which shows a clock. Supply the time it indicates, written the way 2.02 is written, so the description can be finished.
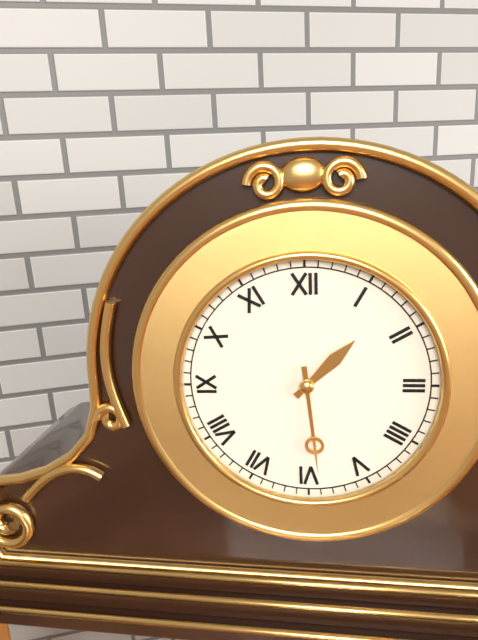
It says 1.29
